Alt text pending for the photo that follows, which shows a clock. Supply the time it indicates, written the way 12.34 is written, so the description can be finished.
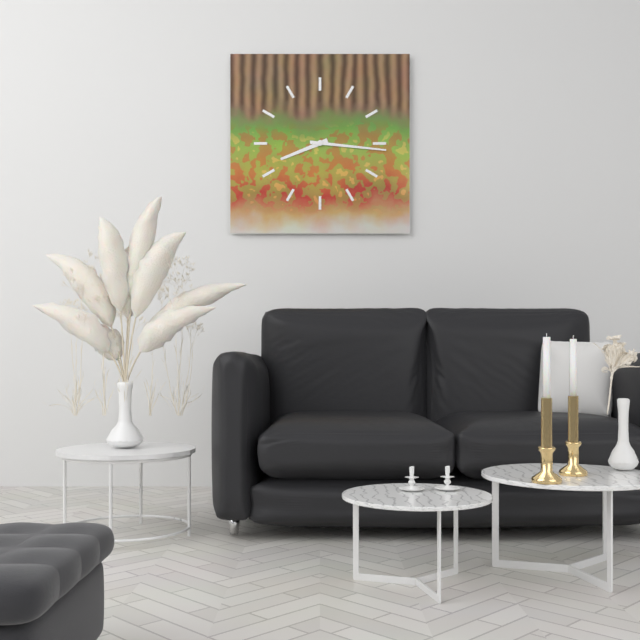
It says 8.16
